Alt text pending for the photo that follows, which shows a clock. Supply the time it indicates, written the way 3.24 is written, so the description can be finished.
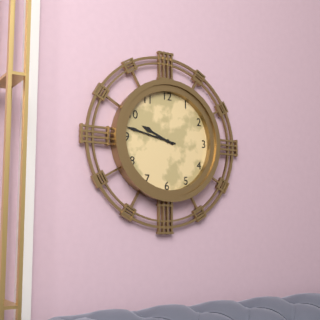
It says 9.47
